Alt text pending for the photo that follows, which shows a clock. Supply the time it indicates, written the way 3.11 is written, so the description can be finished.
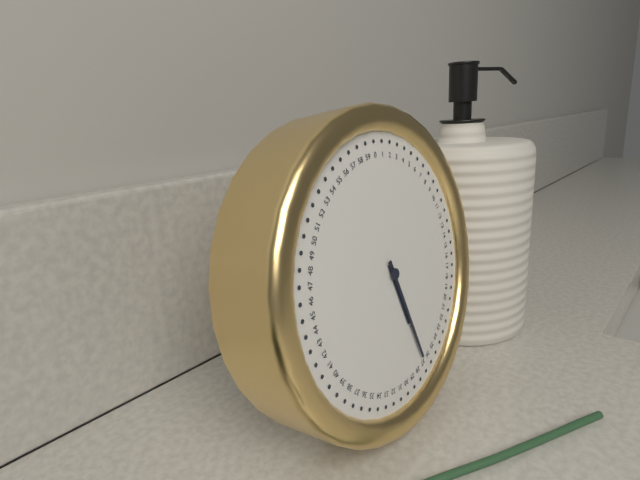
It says 5.27
